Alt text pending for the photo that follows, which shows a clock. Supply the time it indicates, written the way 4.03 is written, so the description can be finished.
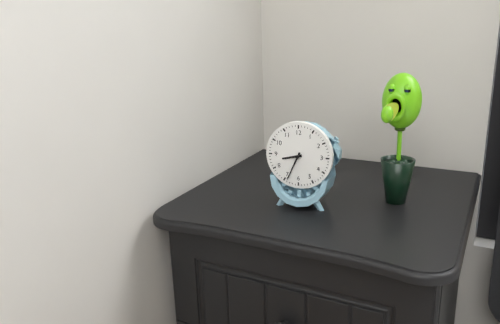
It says 8.34
